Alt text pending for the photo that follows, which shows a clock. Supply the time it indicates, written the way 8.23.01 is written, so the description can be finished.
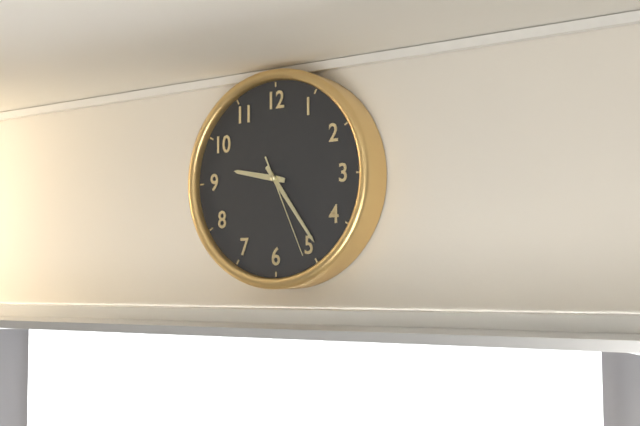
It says 9.24.26
